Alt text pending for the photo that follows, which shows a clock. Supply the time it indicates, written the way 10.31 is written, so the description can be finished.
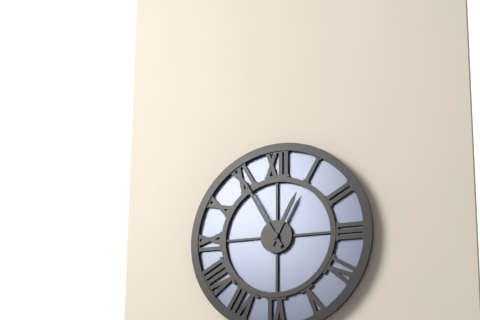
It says 12.55
